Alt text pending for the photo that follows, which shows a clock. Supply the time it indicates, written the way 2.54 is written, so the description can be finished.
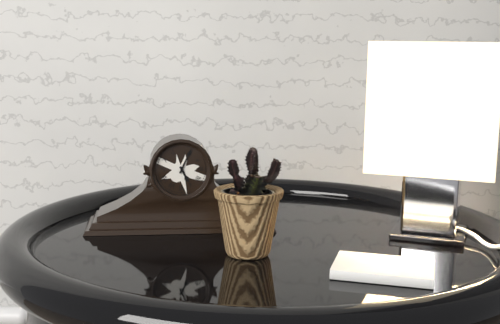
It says 5.04
